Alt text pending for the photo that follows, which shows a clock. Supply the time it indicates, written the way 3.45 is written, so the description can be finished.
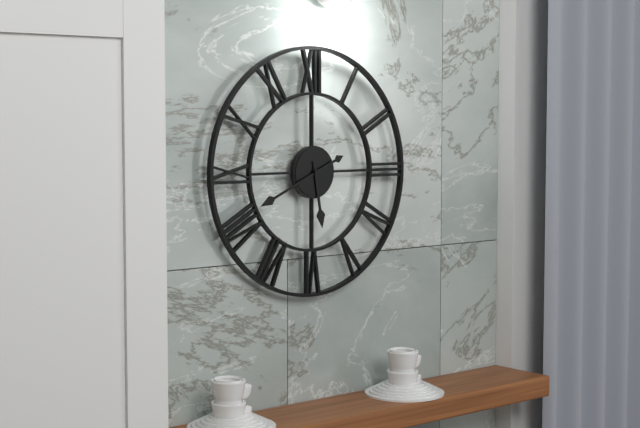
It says 5.41
